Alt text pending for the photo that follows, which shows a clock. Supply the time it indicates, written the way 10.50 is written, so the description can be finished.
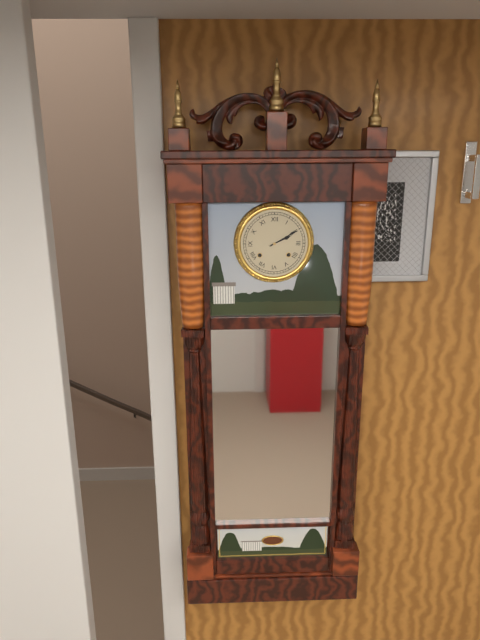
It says 2.10
